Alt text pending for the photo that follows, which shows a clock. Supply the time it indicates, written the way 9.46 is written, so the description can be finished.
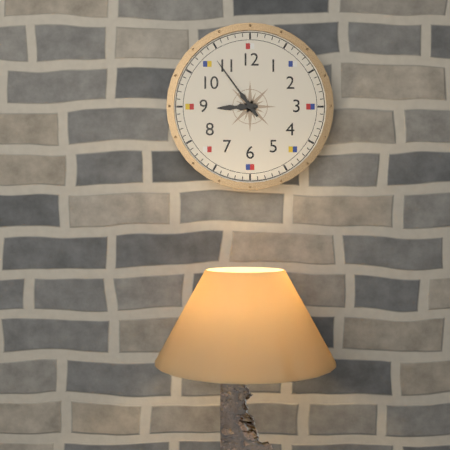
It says 8.54
